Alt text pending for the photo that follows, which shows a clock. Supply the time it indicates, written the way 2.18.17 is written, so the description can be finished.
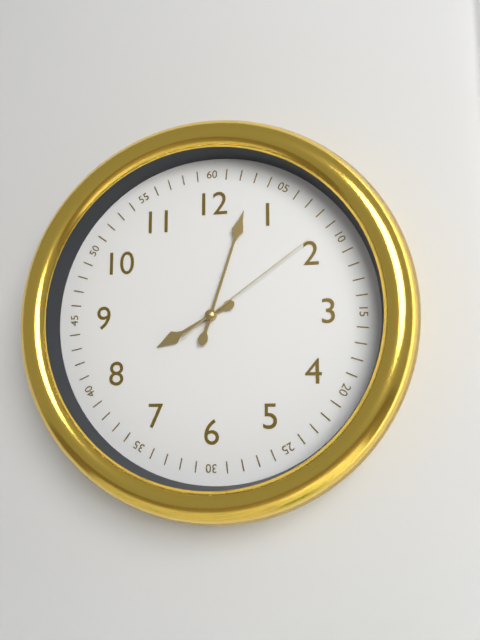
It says 8.03.09
